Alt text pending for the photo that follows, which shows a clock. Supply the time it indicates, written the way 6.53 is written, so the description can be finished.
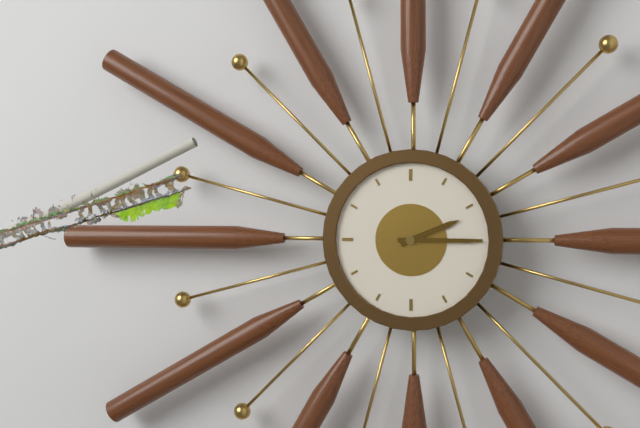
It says 2.15
